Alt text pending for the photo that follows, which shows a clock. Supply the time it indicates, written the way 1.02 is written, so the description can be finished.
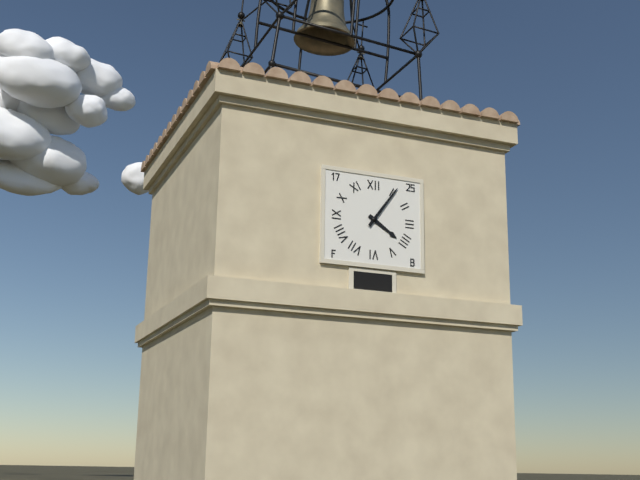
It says 4.06
